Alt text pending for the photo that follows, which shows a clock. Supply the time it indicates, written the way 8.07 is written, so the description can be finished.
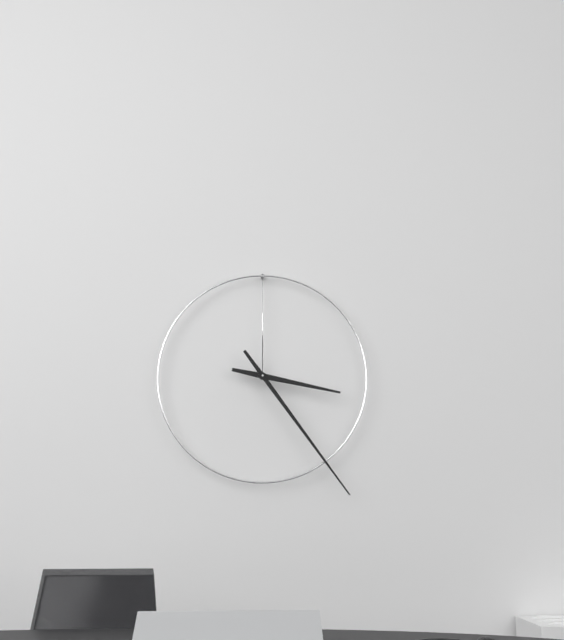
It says 3.24
